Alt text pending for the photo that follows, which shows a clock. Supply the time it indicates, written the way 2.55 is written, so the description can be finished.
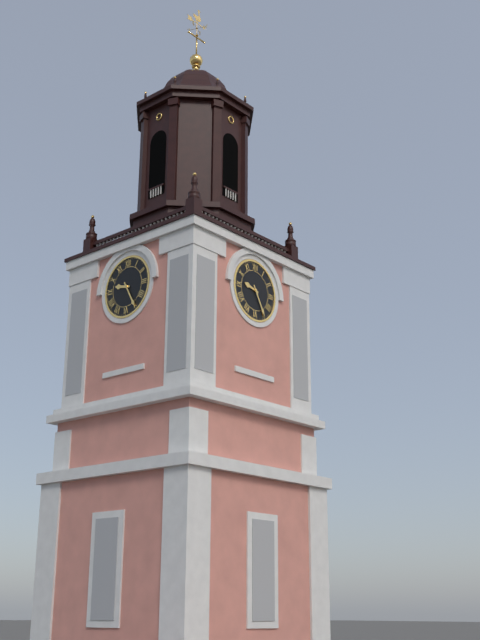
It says 9.25
